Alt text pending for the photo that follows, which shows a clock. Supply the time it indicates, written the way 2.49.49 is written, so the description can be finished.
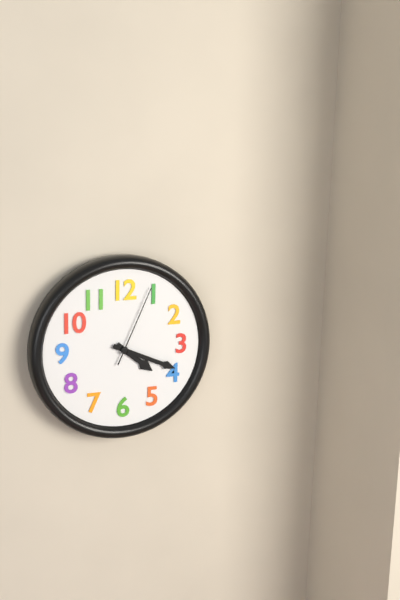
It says 4.19.04
